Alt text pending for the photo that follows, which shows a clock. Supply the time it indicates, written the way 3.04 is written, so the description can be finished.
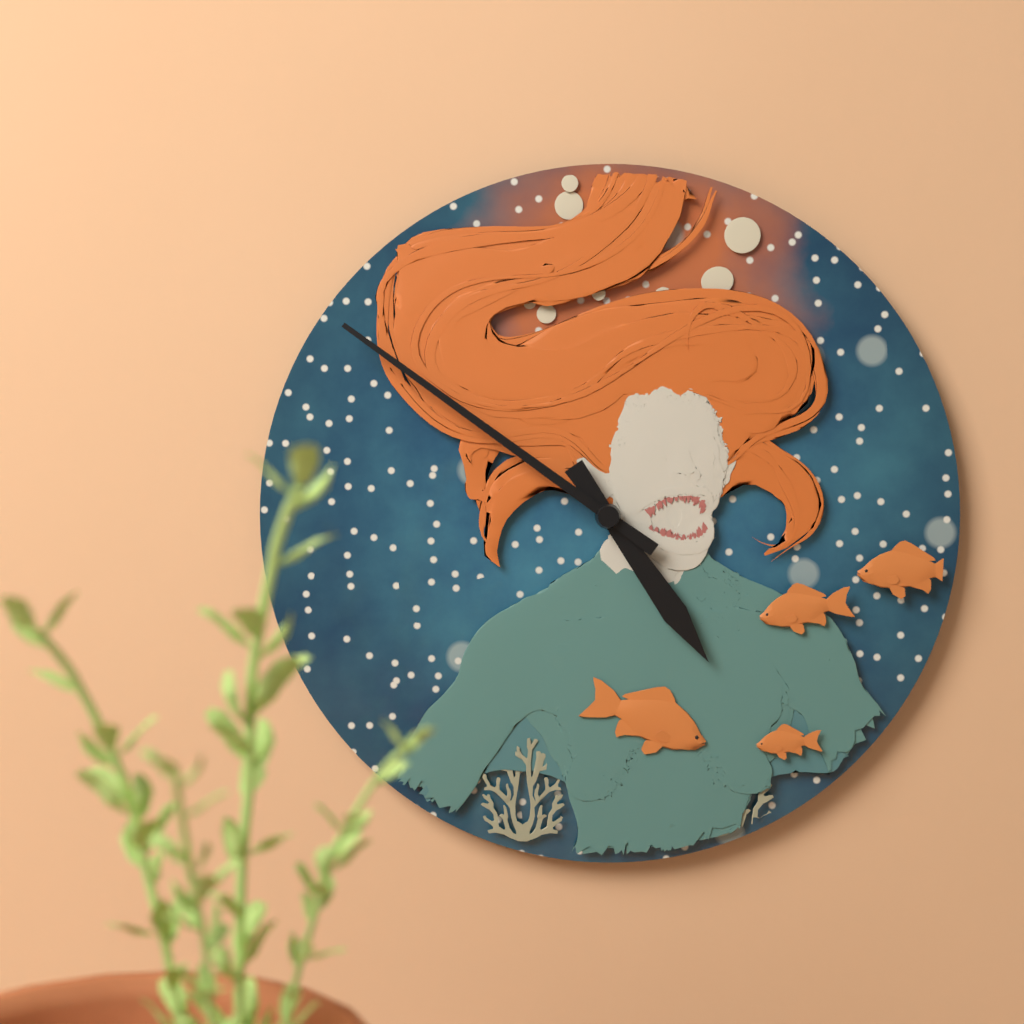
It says 4.51
